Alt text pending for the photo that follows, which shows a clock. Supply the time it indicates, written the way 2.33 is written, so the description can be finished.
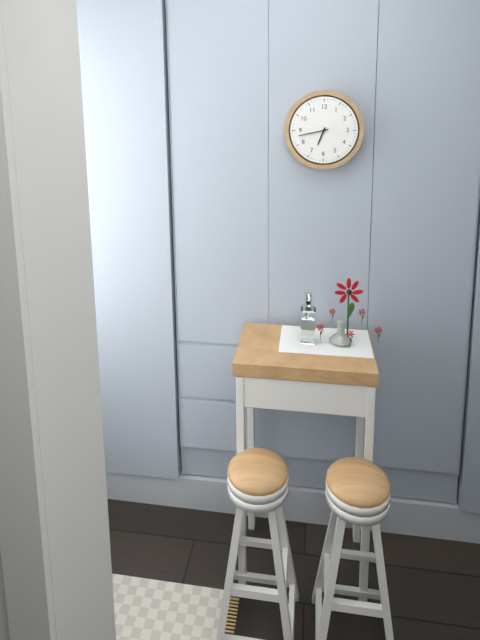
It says 6.43
